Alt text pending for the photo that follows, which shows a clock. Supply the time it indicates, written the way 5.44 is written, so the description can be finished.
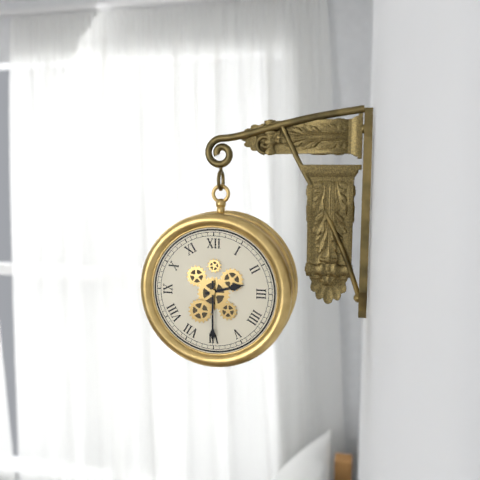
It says 2.30
